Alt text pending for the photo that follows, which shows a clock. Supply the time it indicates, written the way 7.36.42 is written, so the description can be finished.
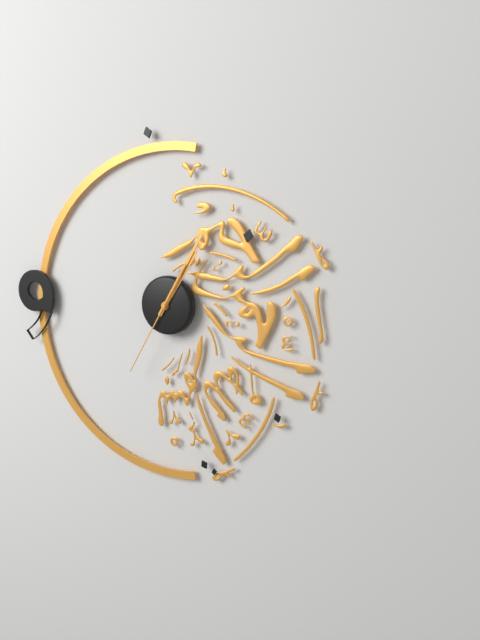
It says 1.05.35
